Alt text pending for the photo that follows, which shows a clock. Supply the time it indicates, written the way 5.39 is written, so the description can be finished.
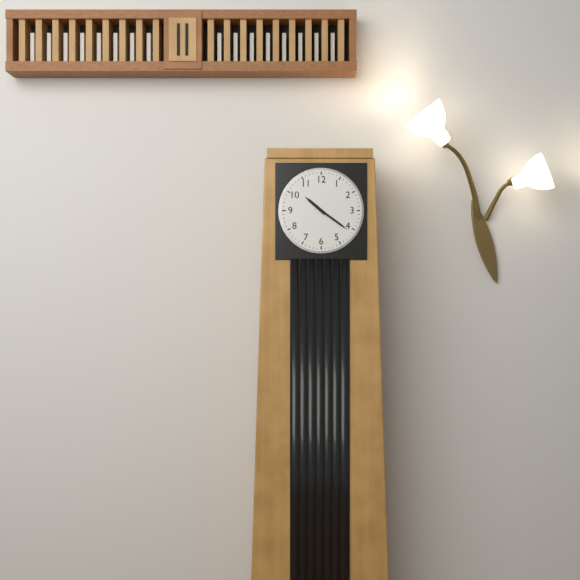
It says 10.21
